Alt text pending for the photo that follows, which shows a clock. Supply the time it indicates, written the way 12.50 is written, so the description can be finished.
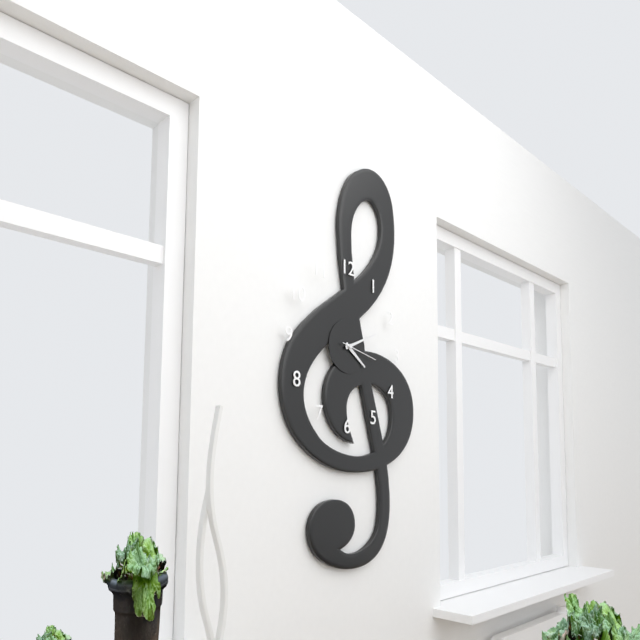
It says 4.11
